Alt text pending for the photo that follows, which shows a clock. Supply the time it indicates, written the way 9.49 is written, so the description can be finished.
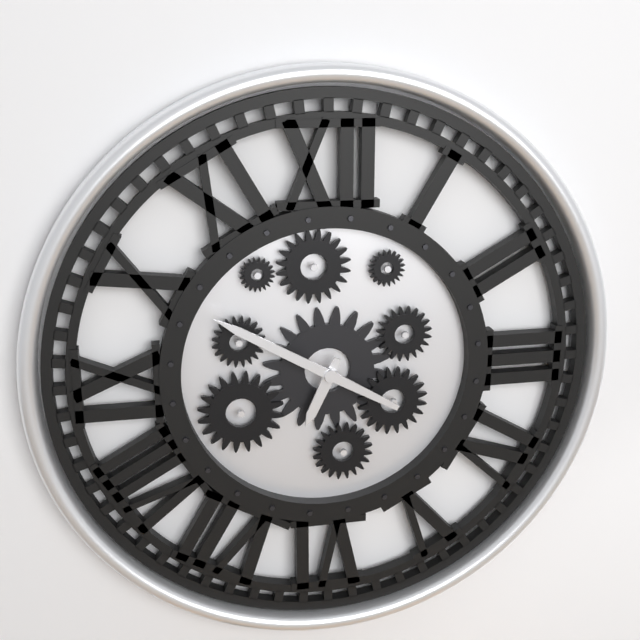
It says 6.50
